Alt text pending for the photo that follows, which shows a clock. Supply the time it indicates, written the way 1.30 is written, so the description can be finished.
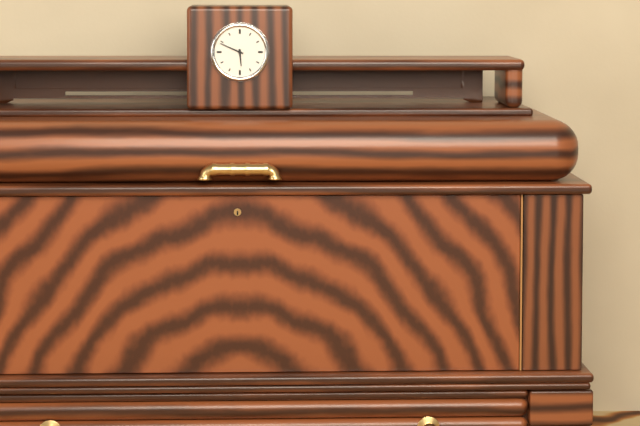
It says 5.49
